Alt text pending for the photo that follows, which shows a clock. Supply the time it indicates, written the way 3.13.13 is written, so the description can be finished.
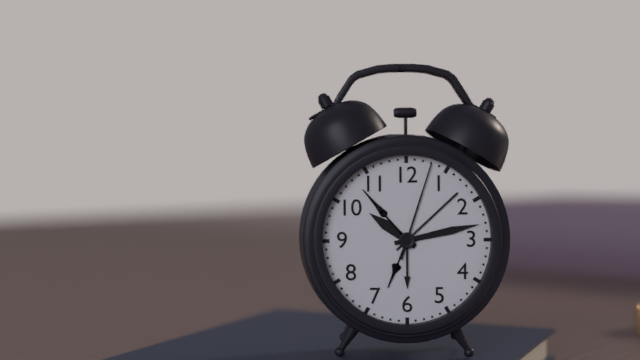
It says 10.13.03
